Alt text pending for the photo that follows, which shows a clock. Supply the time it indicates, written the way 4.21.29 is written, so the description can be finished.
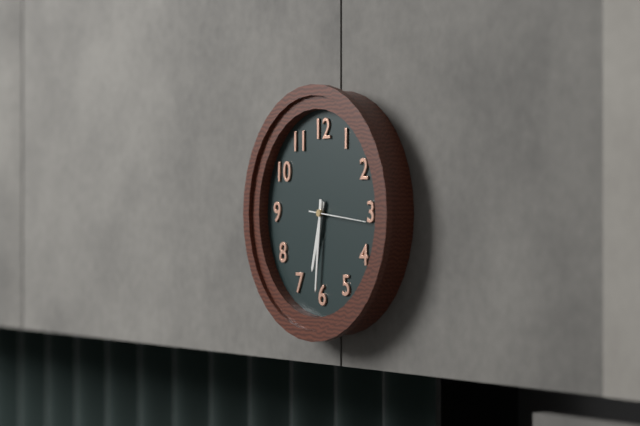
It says 6.31.16
